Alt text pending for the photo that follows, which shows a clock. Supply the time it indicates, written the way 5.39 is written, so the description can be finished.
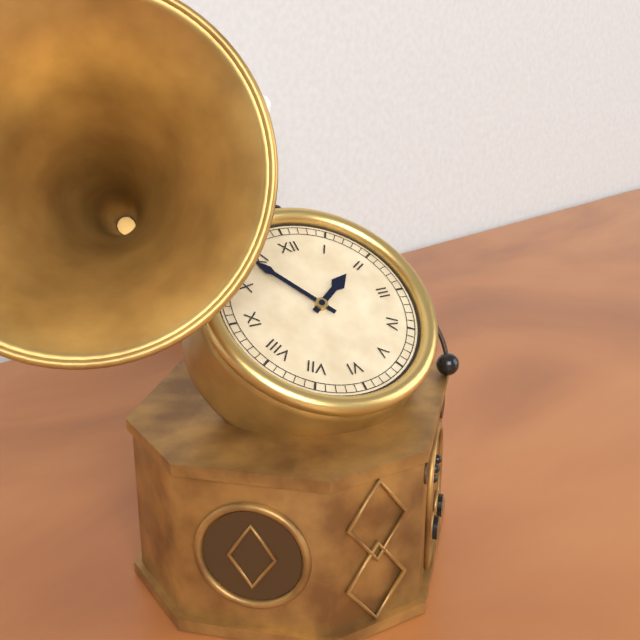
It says 1.54
